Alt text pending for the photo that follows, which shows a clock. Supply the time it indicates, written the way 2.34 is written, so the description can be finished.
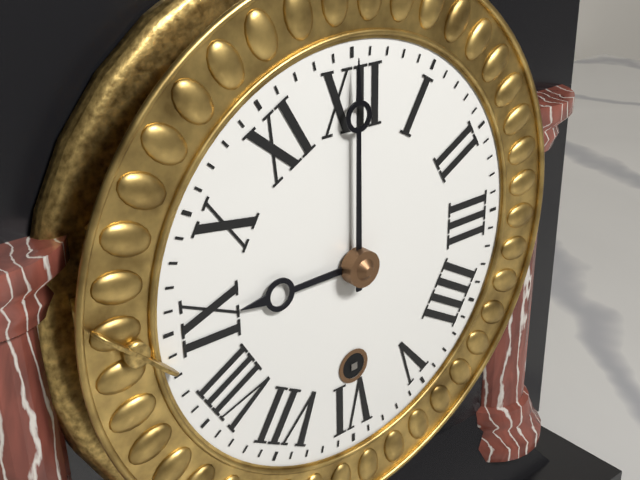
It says 9.00
